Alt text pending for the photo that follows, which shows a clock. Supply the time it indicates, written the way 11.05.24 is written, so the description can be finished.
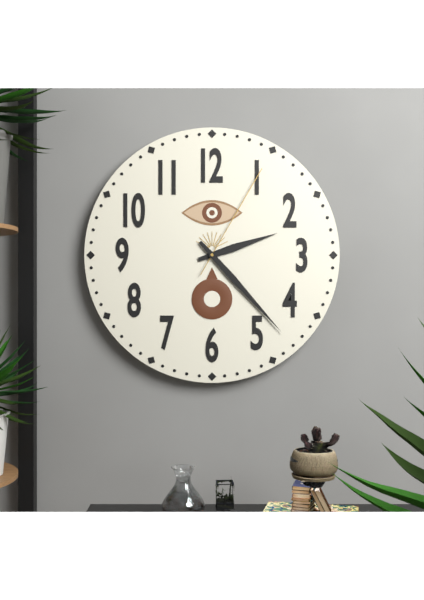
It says 2.23.05
